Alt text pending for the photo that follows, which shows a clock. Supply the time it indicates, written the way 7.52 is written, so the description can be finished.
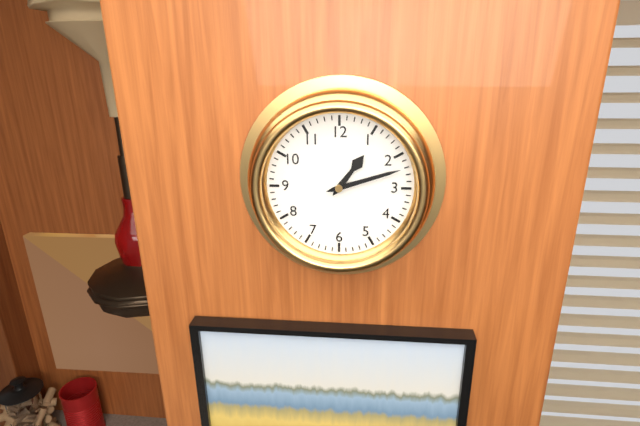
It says 1.12
